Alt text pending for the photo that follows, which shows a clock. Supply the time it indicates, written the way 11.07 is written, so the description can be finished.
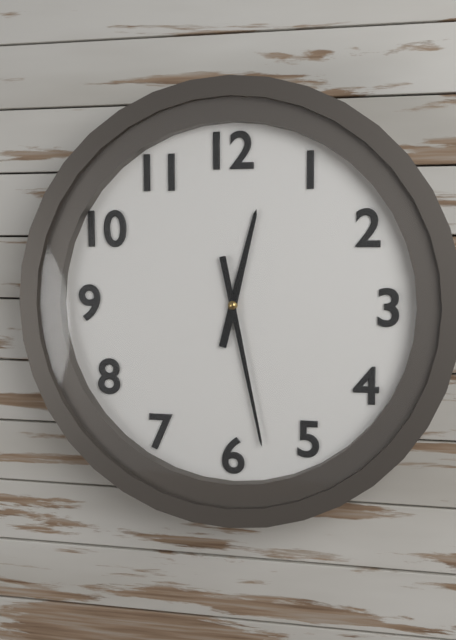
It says 12.28
